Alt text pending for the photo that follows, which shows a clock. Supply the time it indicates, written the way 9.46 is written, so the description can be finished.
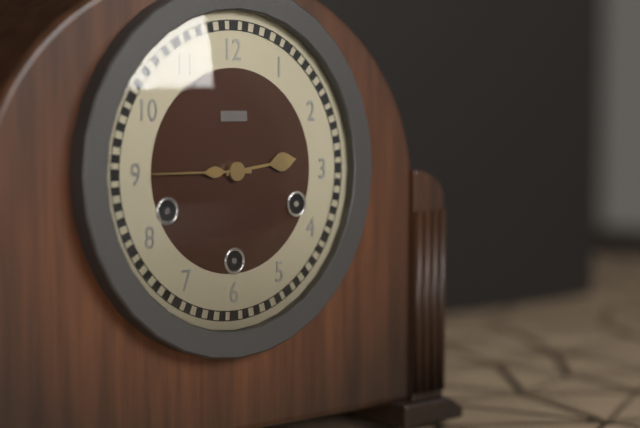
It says 2.45
